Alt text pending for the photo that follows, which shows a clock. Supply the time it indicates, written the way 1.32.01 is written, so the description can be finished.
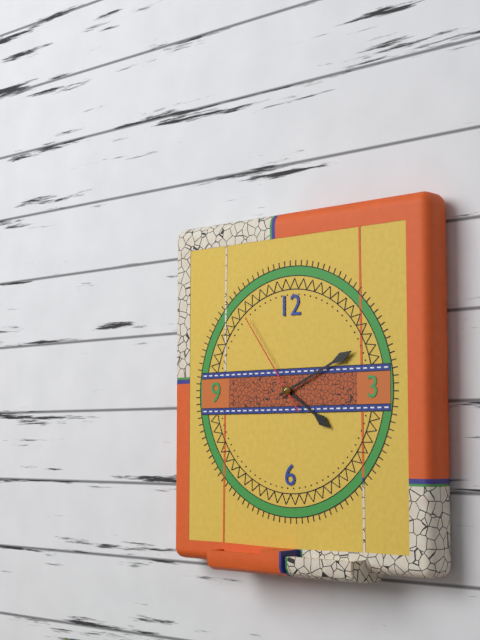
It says 4.11.54
